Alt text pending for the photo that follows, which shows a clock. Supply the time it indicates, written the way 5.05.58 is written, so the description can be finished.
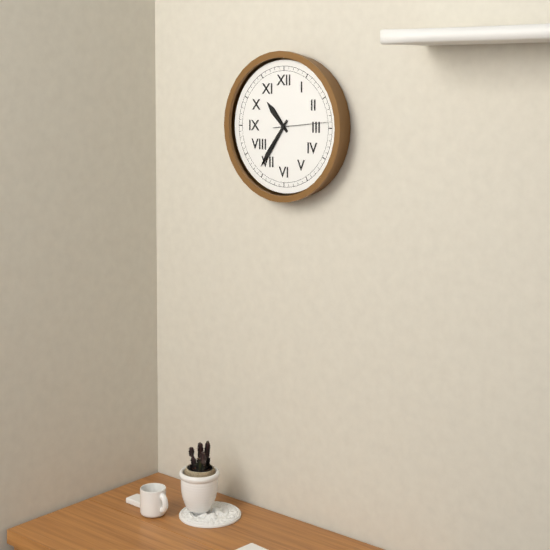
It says 10.36.14
